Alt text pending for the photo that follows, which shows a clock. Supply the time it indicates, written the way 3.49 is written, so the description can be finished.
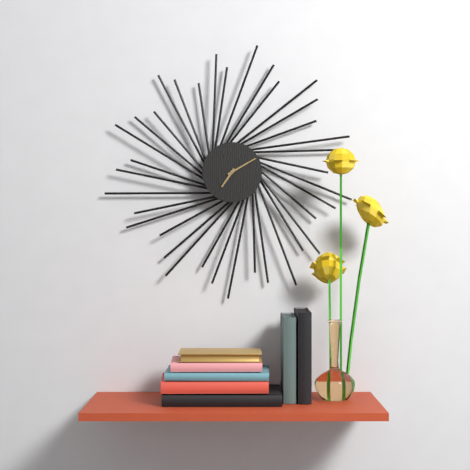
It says 7.10
